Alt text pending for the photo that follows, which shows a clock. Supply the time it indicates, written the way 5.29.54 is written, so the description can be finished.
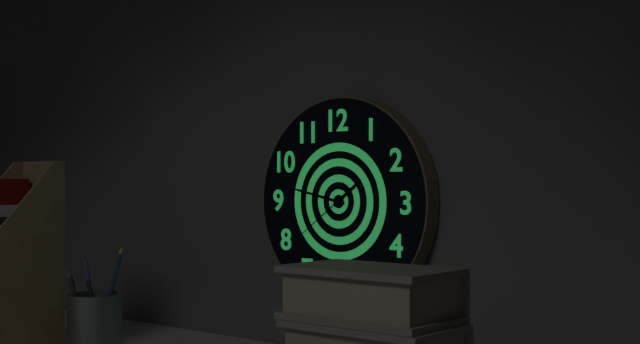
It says 1.47.39
